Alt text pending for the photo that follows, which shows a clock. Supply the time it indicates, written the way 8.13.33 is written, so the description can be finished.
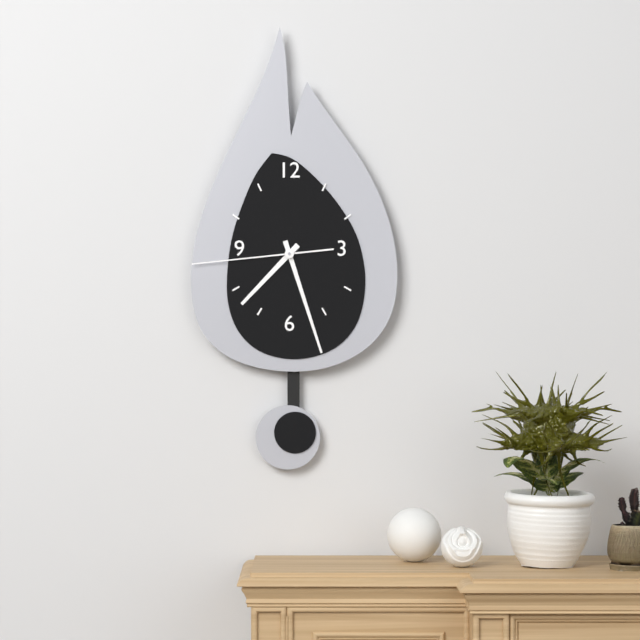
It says 7.27.44
